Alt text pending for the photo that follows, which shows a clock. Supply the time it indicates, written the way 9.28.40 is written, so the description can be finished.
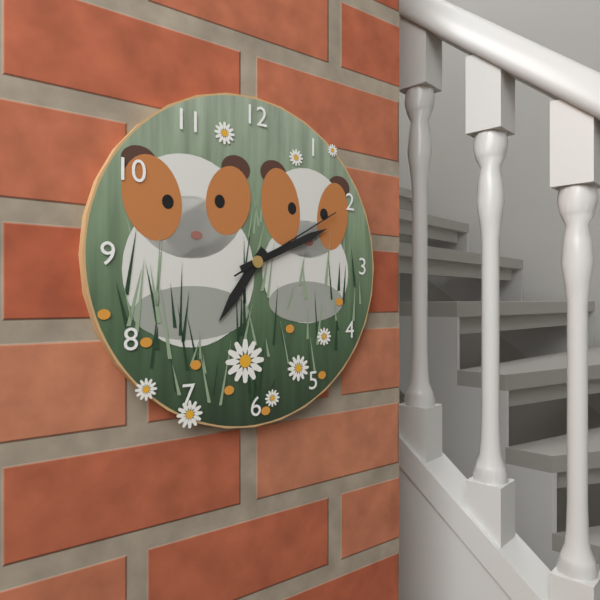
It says 7.11.10
